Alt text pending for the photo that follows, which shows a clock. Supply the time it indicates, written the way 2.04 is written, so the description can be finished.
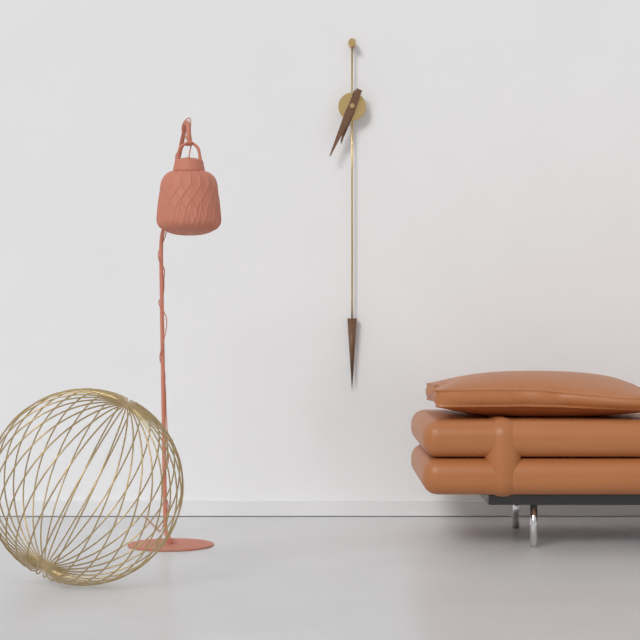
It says 6.34
